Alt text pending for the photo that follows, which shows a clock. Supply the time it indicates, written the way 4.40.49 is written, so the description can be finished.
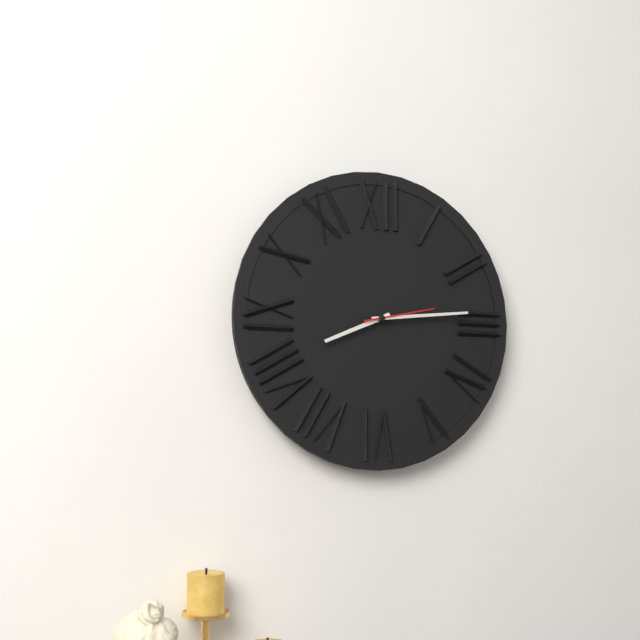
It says 8.14.13
